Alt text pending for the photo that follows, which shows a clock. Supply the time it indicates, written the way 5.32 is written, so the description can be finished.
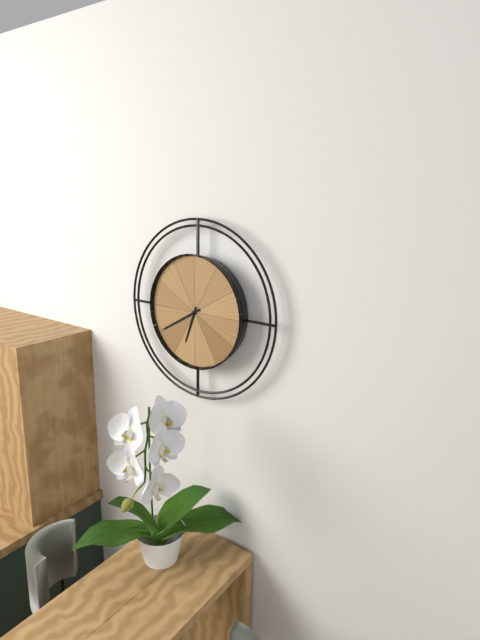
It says 6.40
